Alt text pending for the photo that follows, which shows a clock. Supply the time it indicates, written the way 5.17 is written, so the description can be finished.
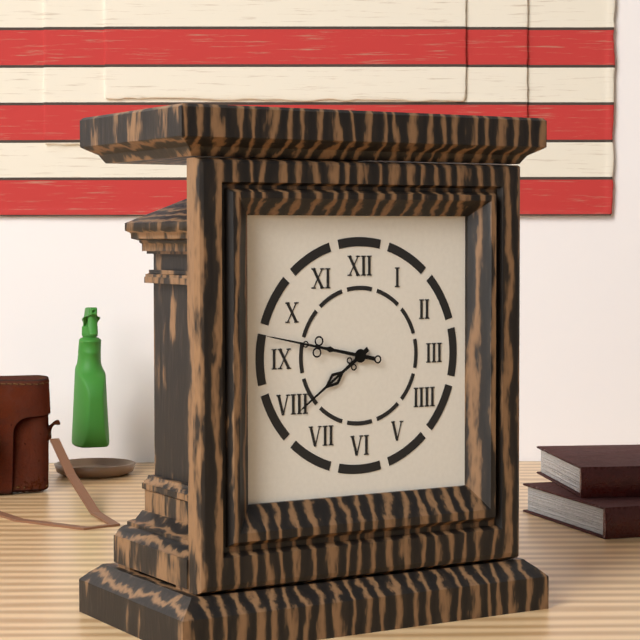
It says 7.47
